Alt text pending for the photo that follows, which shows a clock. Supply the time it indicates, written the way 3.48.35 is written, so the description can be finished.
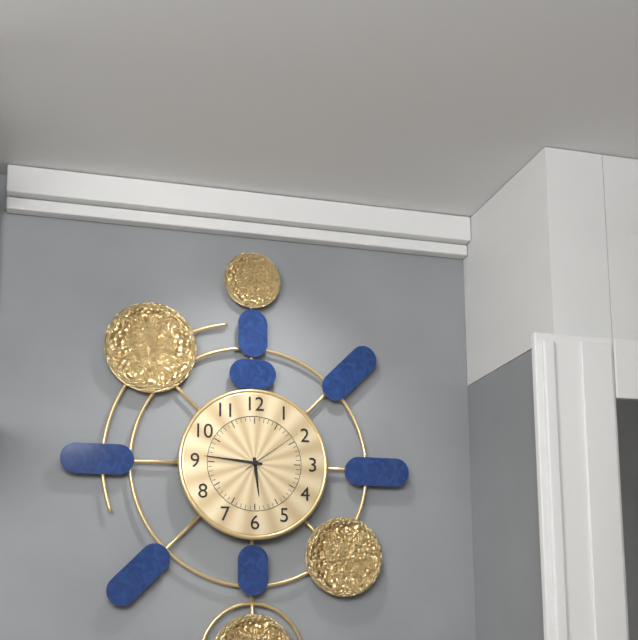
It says 5.46.09
